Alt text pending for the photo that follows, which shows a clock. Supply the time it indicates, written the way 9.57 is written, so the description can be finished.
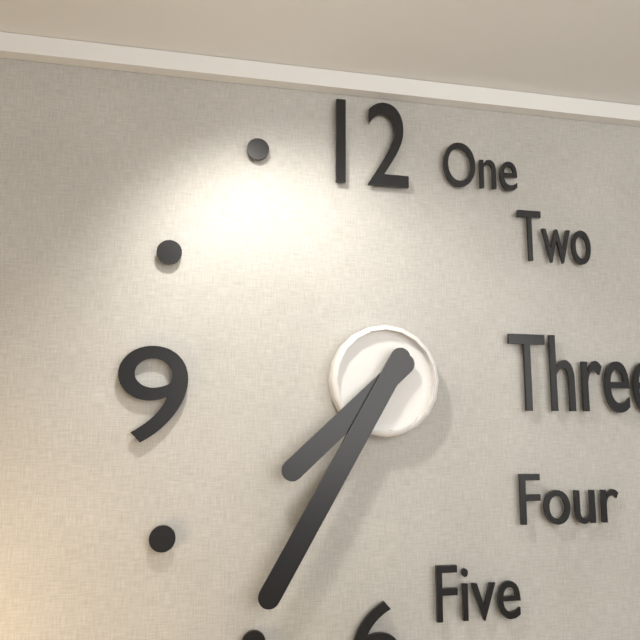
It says 7.35
